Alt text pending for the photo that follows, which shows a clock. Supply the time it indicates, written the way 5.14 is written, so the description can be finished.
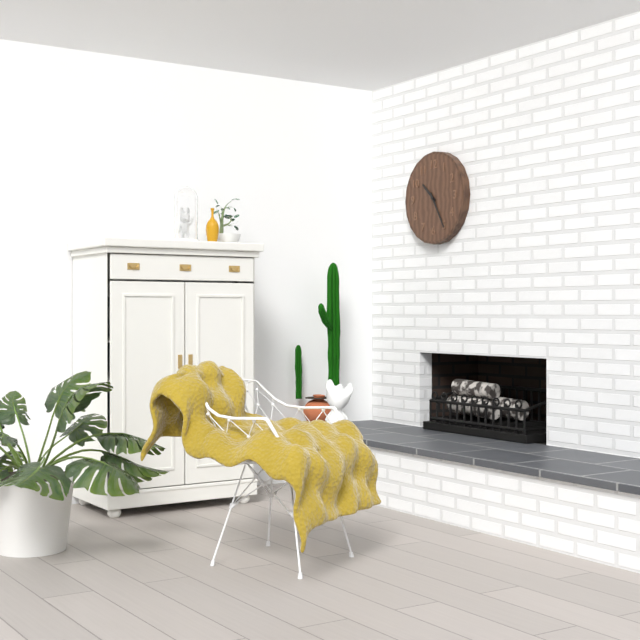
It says 10.25
